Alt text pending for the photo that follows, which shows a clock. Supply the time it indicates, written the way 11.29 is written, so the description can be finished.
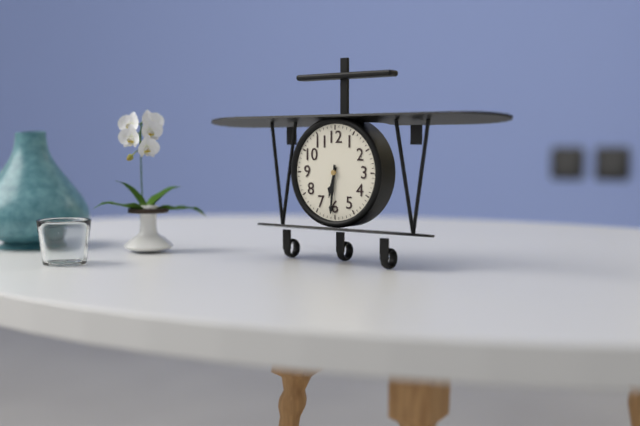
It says 6.31
